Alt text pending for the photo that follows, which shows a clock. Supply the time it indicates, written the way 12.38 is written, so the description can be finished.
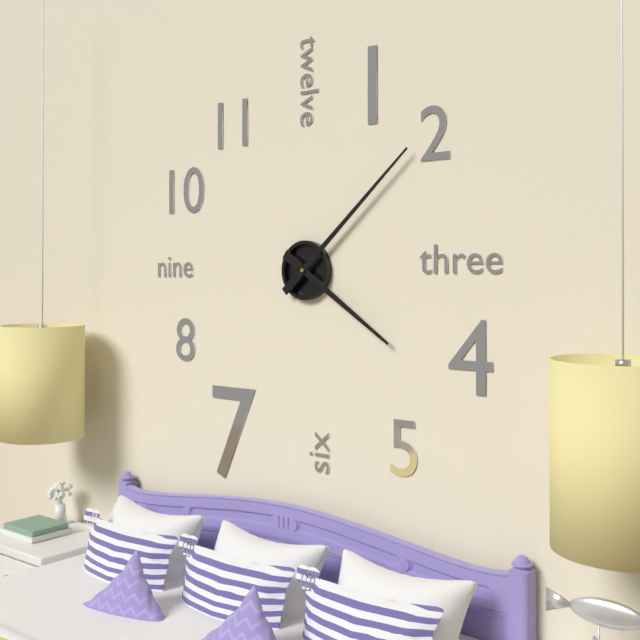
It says 4.08
